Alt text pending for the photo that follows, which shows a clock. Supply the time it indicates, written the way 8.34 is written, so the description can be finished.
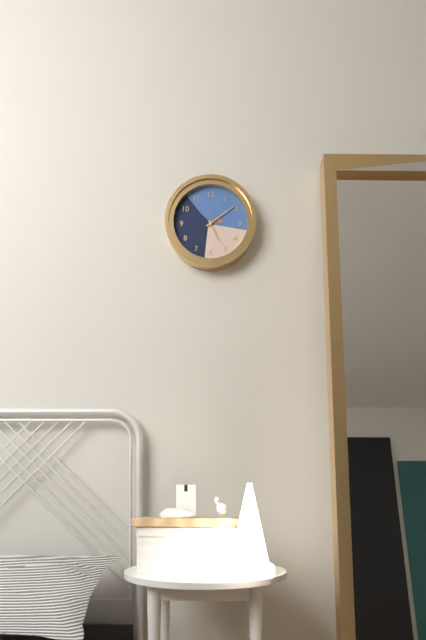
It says 5.09
